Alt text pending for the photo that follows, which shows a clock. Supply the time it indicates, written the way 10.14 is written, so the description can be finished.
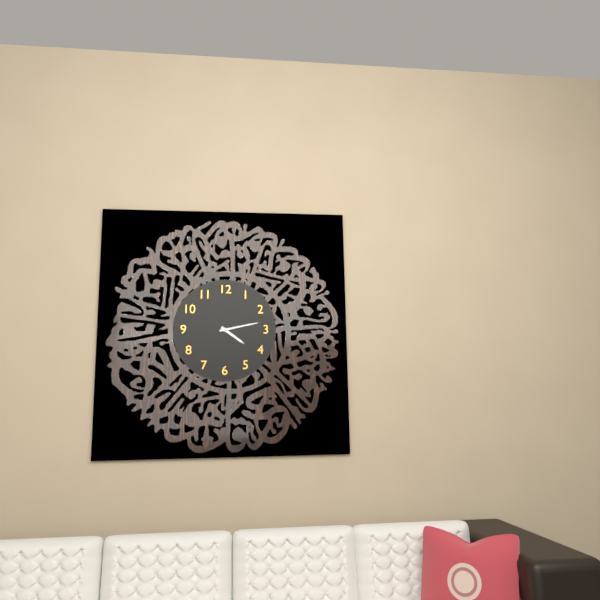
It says 4.13
